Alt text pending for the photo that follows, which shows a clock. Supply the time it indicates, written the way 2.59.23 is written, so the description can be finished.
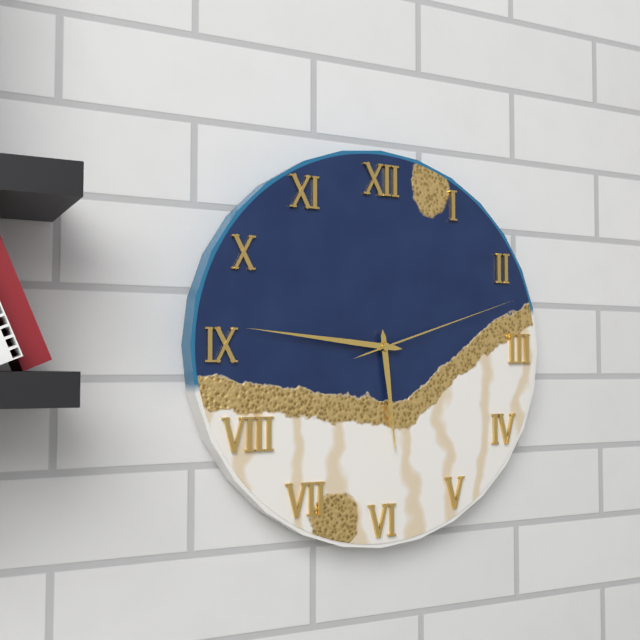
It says 5.46.12
